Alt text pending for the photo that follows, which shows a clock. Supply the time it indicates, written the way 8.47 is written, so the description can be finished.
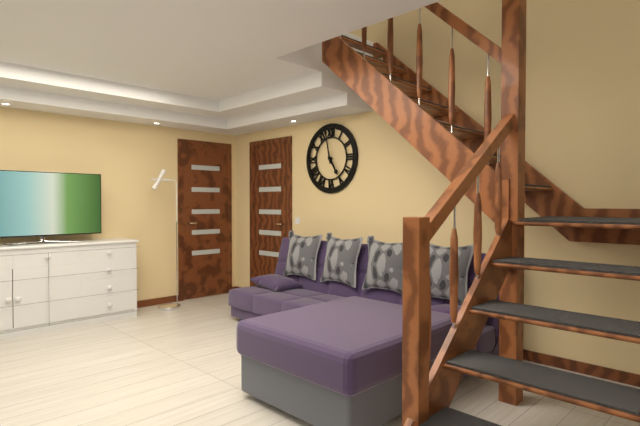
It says 4.58
